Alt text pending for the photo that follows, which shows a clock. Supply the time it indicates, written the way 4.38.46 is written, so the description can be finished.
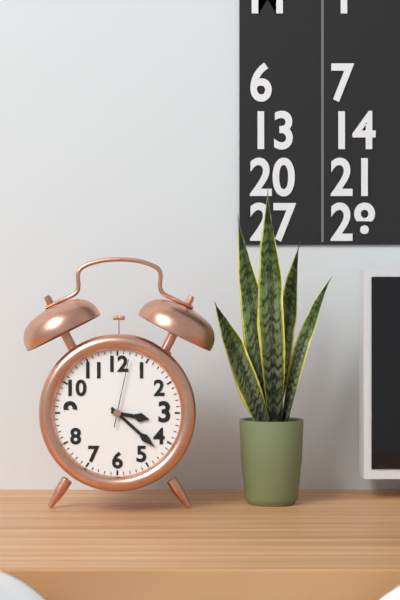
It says 3.22.02
